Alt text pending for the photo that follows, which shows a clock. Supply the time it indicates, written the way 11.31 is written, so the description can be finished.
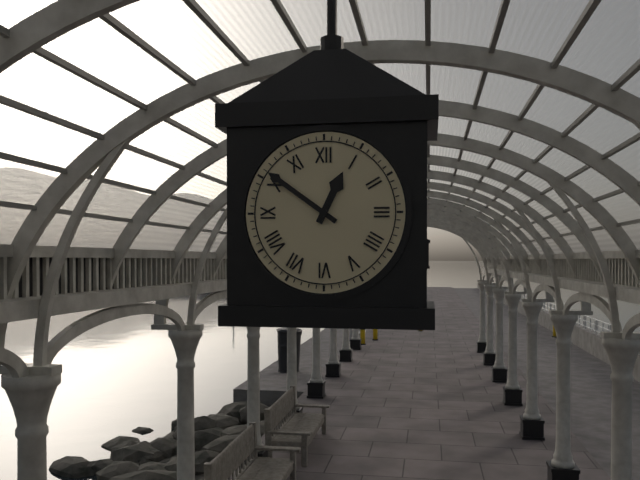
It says 12.51
